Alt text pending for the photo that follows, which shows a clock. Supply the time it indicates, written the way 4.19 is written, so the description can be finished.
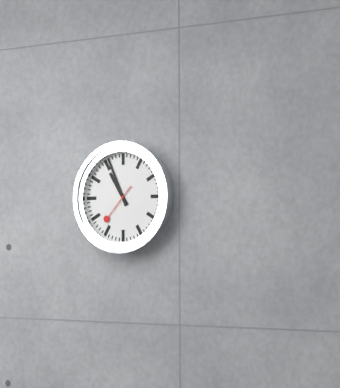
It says 10.56
